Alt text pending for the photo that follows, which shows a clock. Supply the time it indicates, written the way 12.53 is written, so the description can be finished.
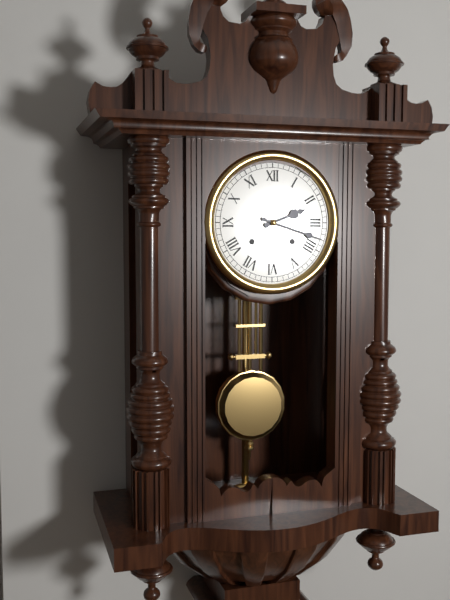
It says 2.18
